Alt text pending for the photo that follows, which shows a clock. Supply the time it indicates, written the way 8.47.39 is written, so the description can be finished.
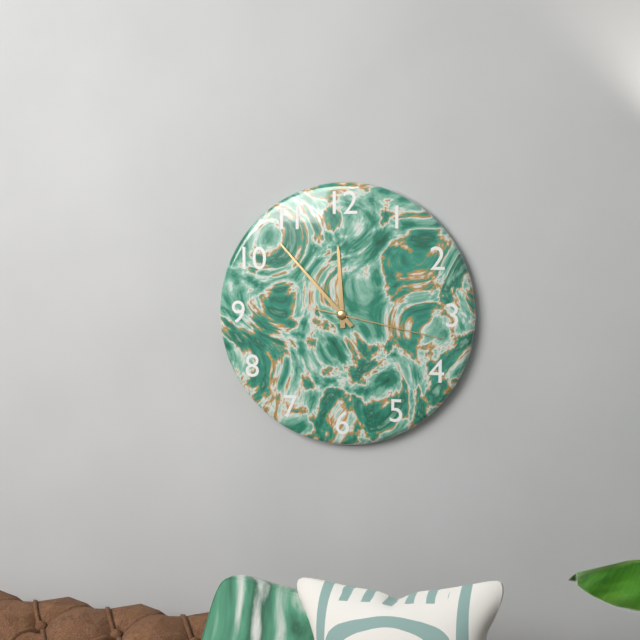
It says 11.53.17
